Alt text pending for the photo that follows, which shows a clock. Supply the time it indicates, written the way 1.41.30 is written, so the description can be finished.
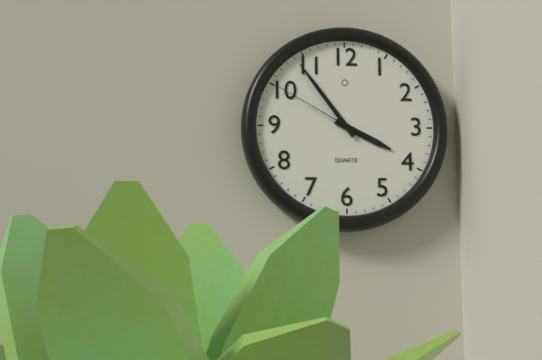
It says 3.54.50
